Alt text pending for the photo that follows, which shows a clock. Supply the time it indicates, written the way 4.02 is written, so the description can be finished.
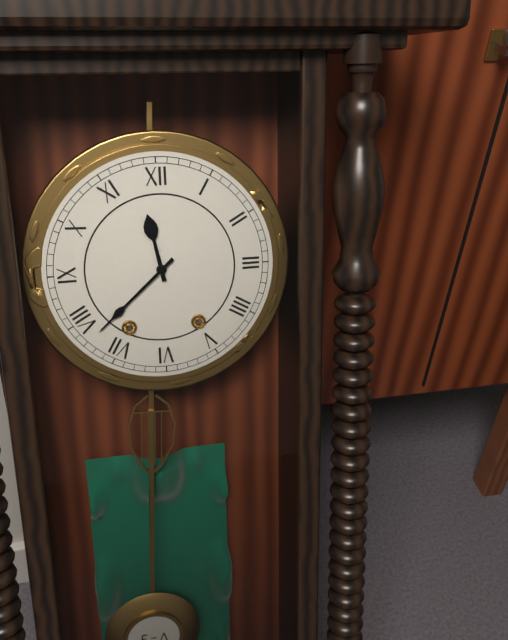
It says 11.38
